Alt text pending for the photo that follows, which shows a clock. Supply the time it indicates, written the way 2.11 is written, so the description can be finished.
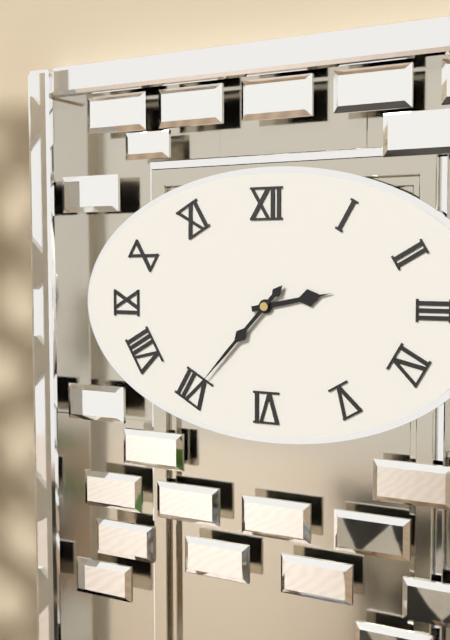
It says 2.37
